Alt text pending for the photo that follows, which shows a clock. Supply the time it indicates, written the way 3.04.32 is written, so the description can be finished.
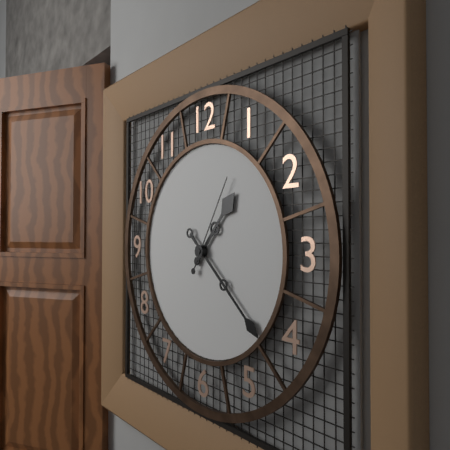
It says 1.22.05
